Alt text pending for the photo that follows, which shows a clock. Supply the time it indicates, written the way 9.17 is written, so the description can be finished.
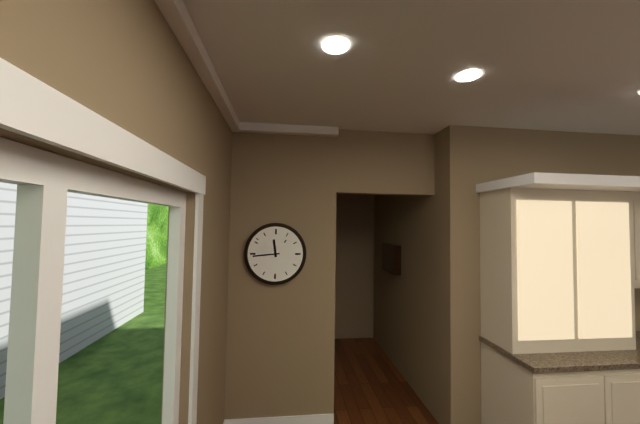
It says 11.44
